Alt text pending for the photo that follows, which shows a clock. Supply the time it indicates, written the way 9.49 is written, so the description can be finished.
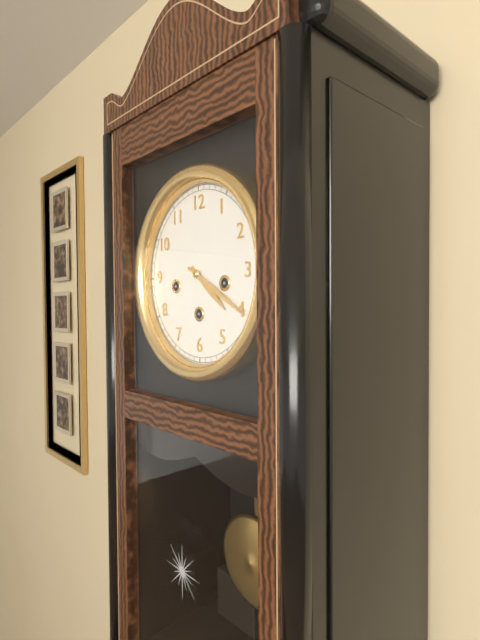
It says 4.20
